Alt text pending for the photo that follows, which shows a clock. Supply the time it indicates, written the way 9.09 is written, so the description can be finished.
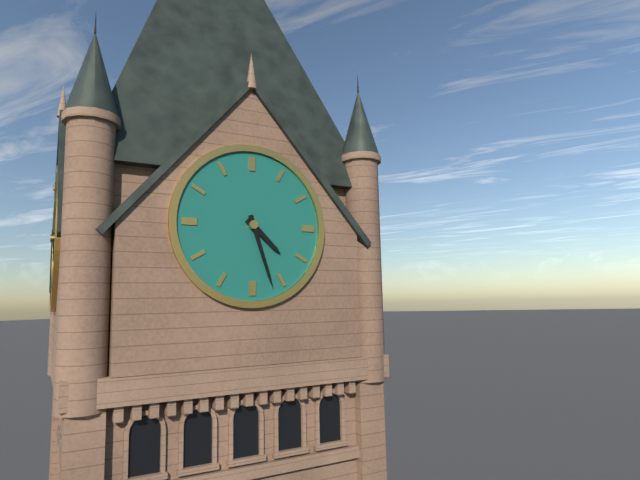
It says 4.27
